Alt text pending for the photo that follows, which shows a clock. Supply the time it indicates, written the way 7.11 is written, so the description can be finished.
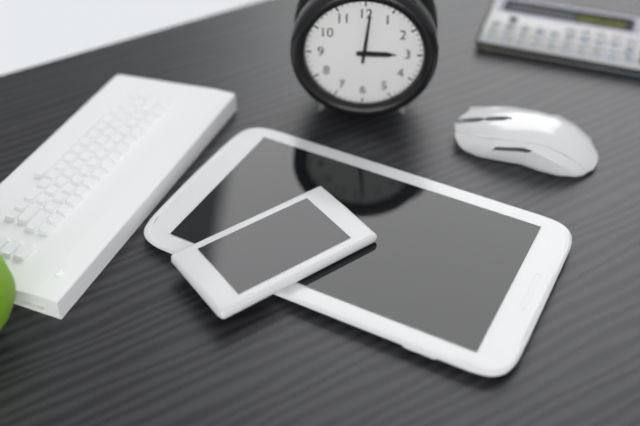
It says 3.01
